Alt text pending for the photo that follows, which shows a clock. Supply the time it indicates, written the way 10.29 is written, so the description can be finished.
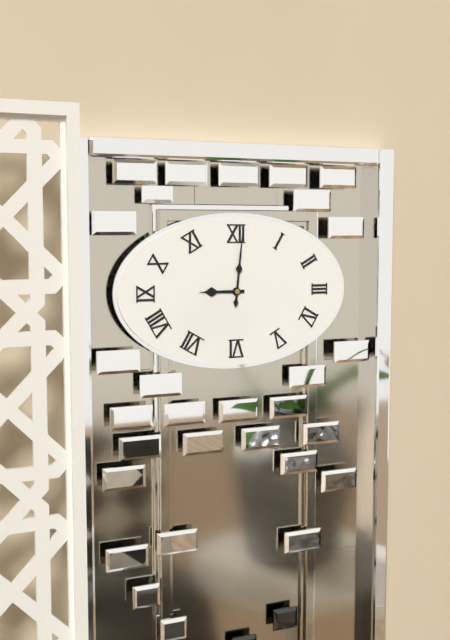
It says 9.01
